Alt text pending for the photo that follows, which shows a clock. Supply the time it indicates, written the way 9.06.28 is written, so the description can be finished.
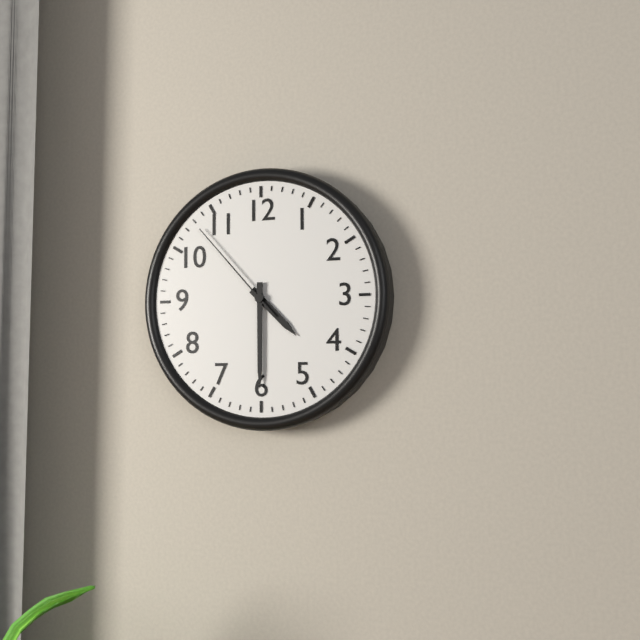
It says 4.30.53
